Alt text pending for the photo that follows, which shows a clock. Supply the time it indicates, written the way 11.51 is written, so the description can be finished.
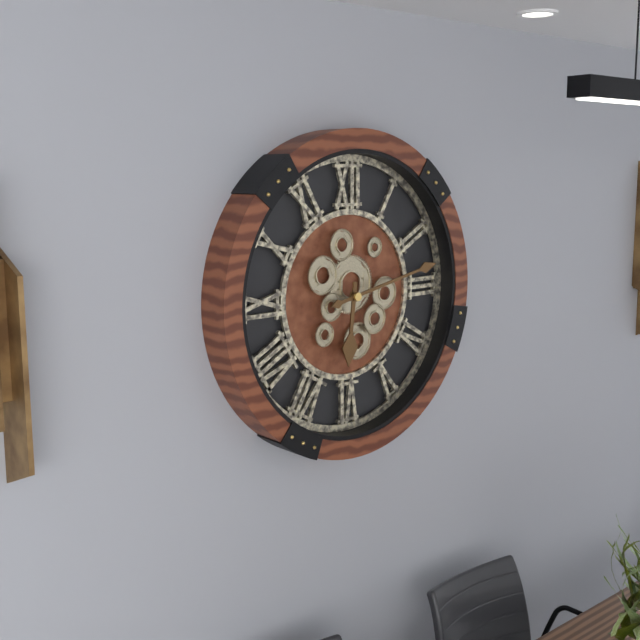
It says 6.13
